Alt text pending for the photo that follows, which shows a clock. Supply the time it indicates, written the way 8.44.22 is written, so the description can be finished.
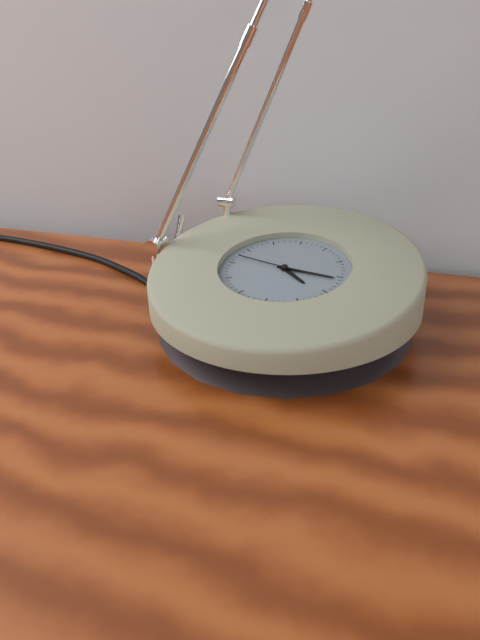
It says 4.16.47
